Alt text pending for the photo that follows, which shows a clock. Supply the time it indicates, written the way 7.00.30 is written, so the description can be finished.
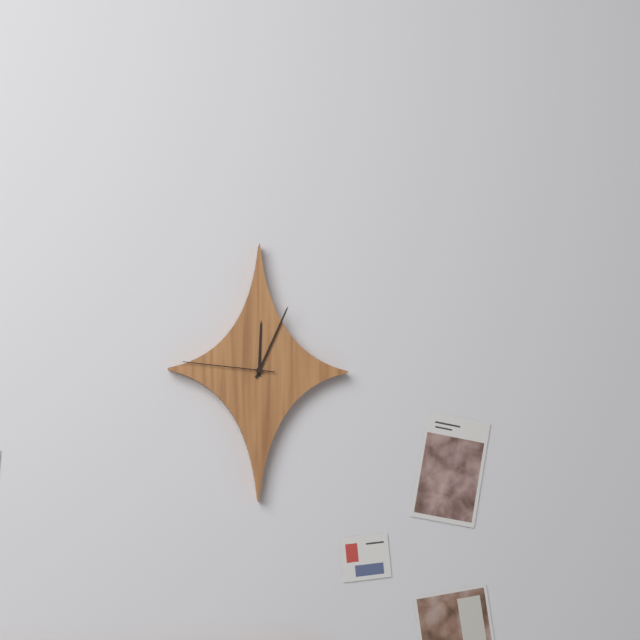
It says 12.04.46
